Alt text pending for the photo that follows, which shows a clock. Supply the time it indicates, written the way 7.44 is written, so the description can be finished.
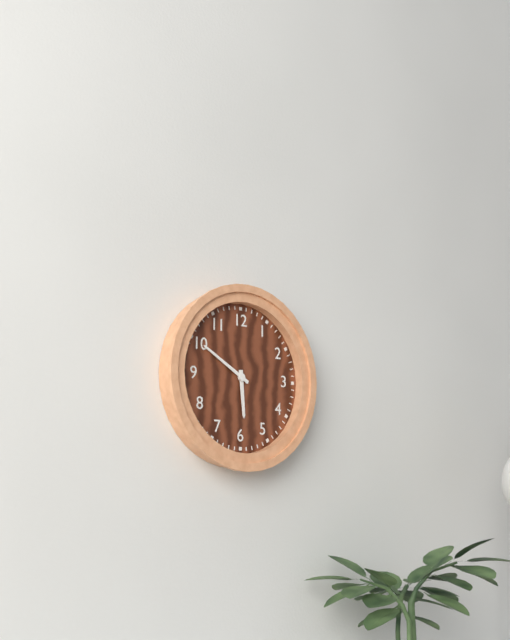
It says 5.50
